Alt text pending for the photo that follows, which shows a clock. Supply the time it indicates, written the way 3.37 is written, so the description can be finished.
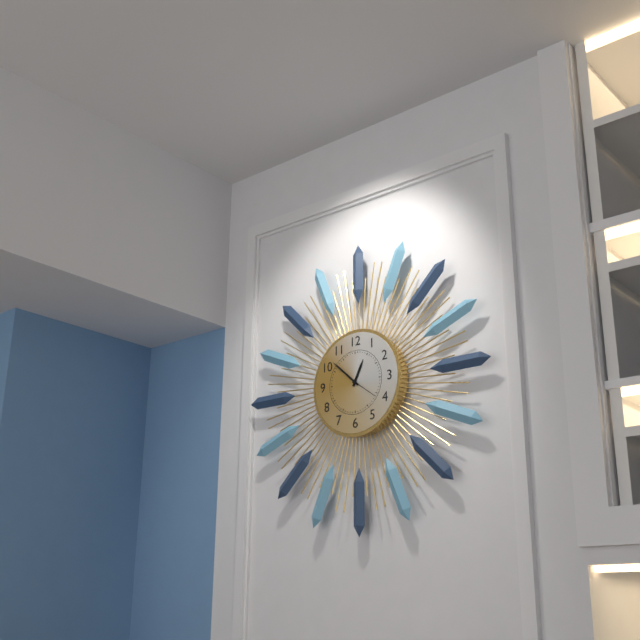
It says 12.52
